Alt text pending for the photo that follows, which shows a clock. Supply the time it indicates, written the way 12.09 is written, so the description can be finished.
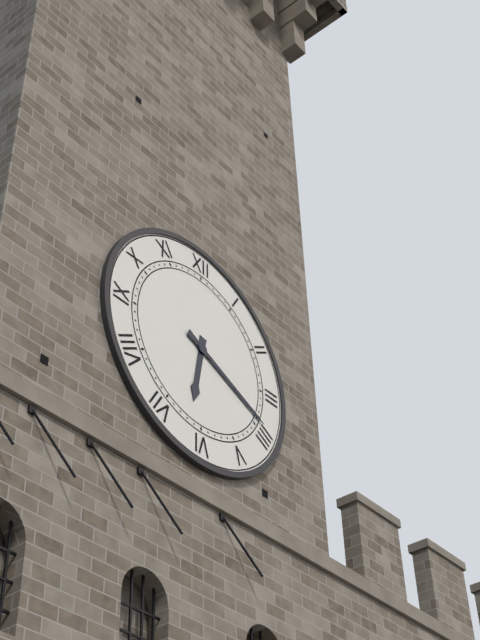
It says 6.19
